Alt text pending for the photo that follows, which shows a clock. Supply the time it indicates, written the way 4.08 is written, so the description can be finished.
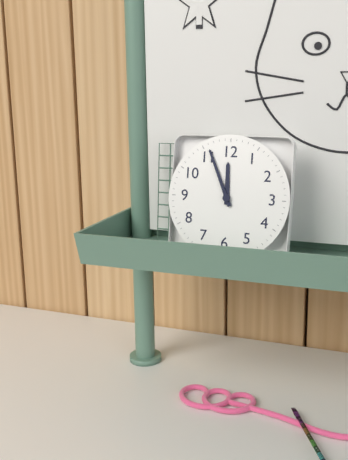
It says 11.56
